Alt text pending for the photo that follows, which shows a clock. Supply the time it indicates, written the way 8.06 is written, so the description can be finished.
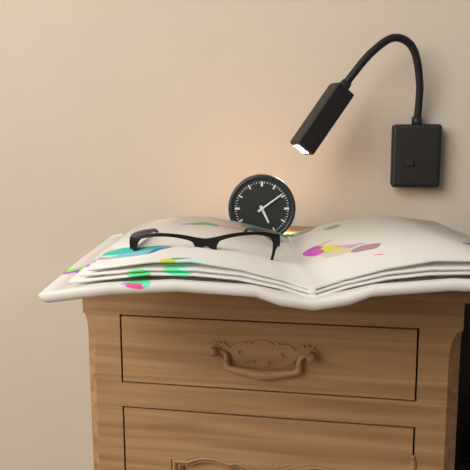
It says 5.09
